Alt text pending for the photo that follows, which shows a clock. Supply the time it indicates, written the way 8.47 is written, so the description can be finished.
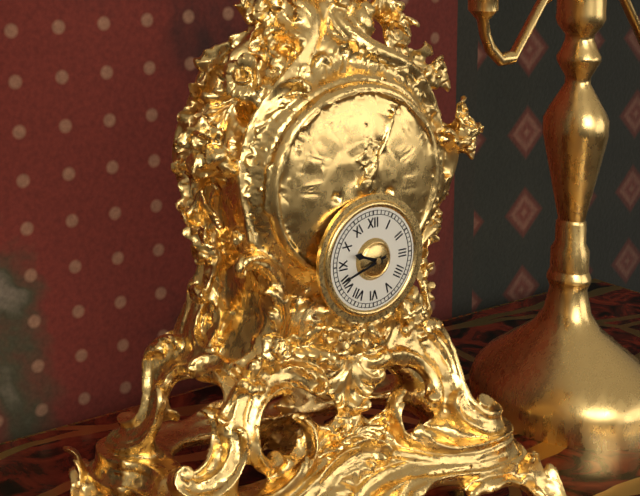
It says 9.42
